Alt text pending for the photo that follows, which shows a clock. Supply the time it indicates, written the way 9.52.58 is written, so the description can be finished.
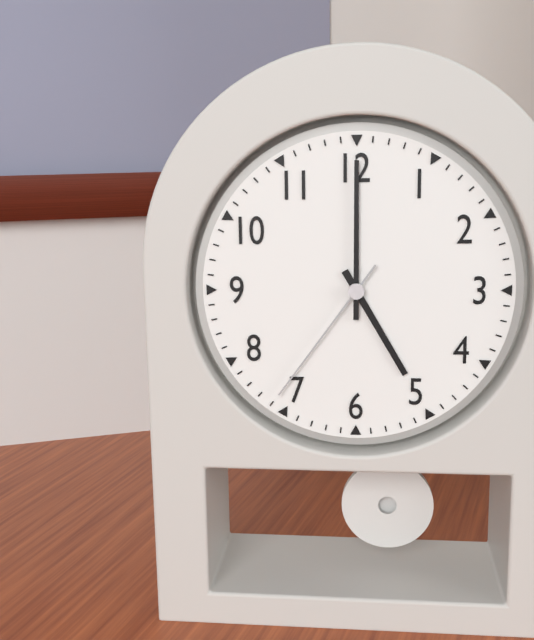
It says 5.00.36
